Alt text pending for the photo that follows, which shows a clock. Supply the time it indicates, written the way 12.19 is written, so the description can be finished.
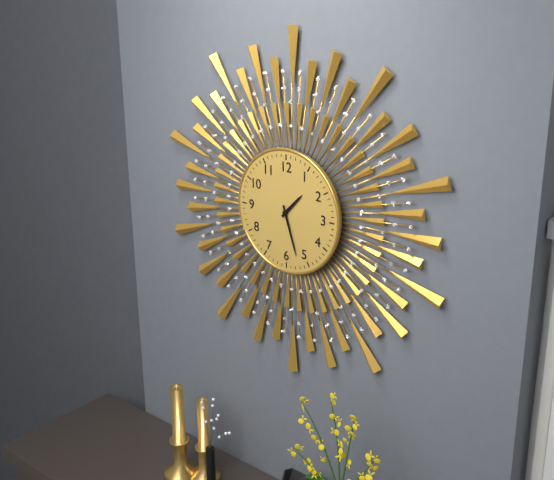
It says 1.27
